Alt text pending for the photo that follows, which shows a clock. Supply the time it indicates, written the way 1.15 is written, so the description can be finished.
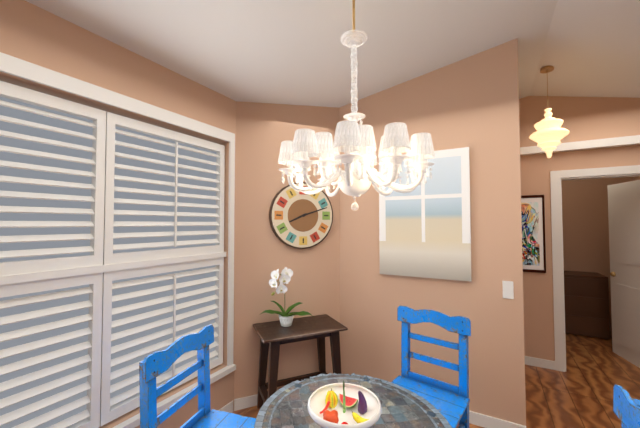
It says 8.12
